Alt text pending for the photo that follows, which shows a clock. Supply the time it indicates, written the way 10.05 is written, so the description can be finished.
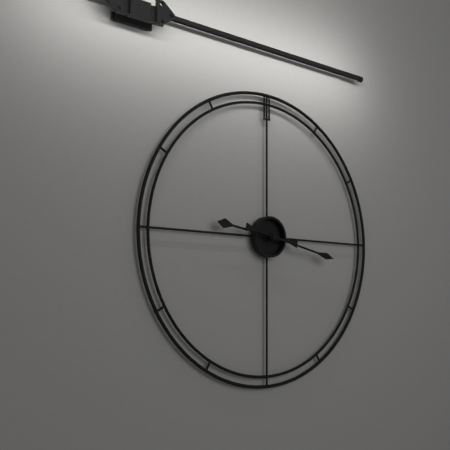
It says 9.17
